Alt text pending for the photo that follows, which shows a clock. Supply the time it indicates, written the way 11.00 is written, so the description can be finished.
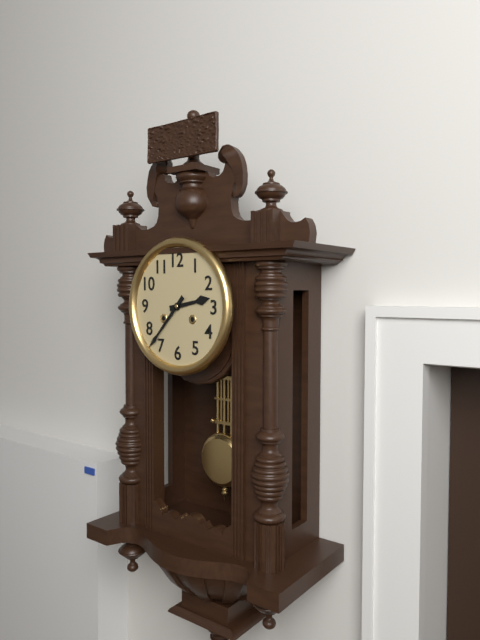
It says 2.37
